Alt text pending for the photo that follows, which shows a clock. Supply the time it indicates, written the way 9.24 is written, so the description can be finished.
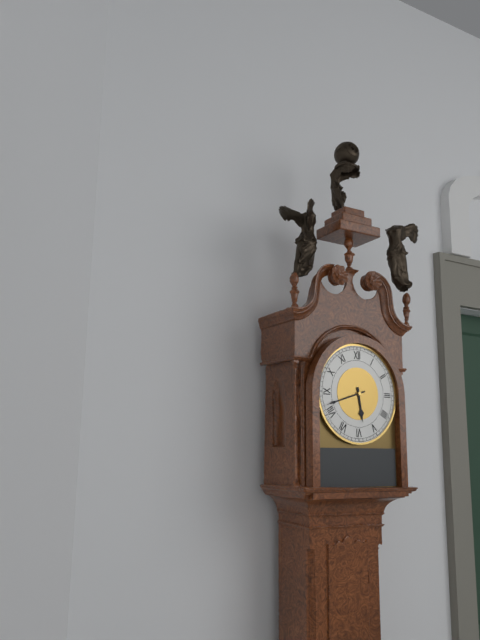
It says 5.42
